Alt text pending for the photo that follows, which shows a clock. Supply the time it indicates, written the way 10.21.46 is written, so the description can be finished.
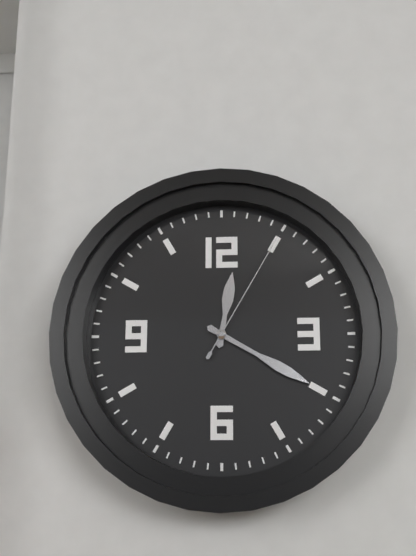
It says 12.20.05
